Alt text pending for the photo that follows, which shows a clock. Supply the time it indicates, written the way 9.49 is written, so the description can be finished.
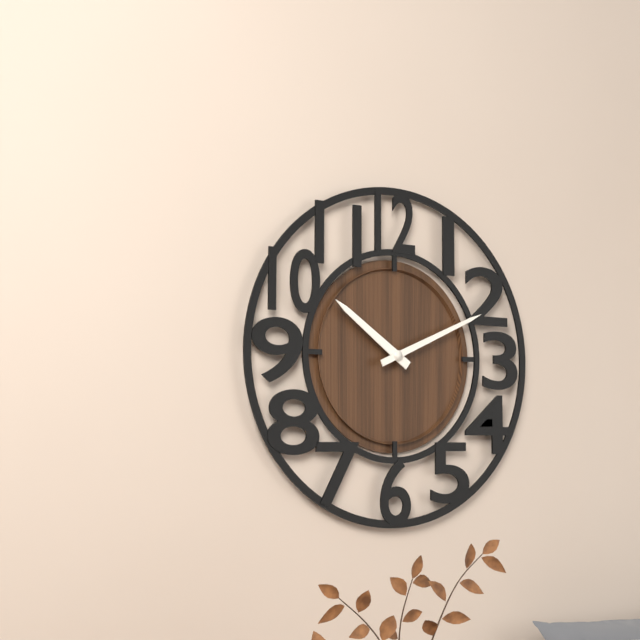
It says 10.11
